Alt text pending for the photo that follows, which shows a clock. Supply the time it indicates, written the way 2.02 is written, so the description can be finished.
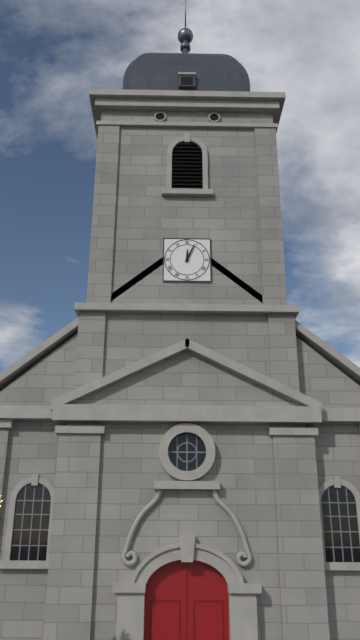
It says 12.04
